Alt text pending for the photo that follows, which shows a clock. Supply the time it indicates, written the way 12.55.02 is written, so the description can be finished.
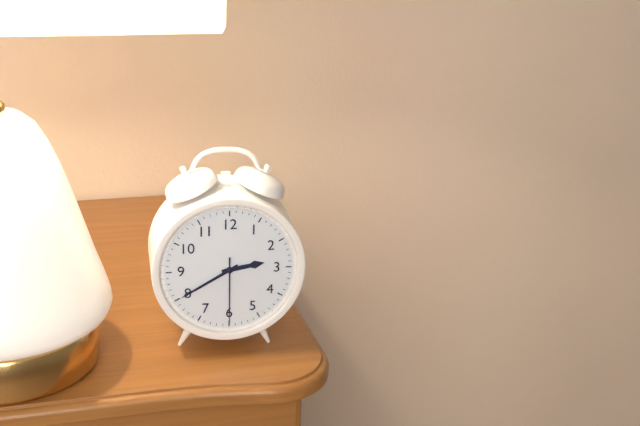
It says 2.40.30
